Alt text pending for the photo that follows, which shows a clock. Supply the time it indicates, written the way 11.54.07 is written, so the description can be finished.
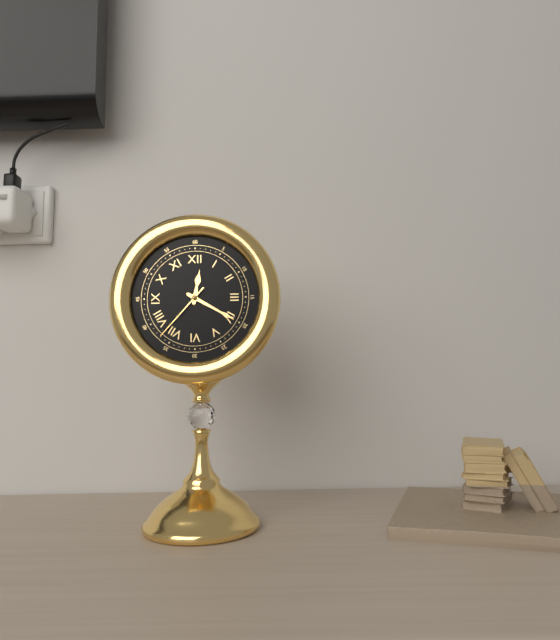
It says 12.20.37
